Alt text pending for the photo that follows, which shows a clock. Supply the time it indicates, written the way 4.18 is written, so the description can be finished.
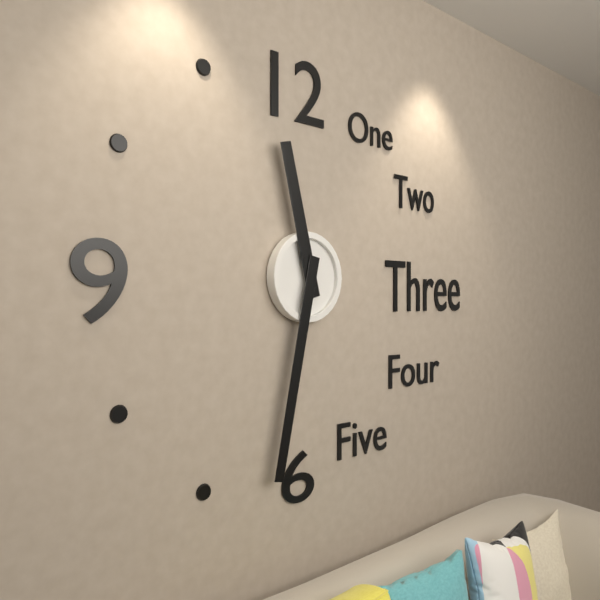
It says 11.32
